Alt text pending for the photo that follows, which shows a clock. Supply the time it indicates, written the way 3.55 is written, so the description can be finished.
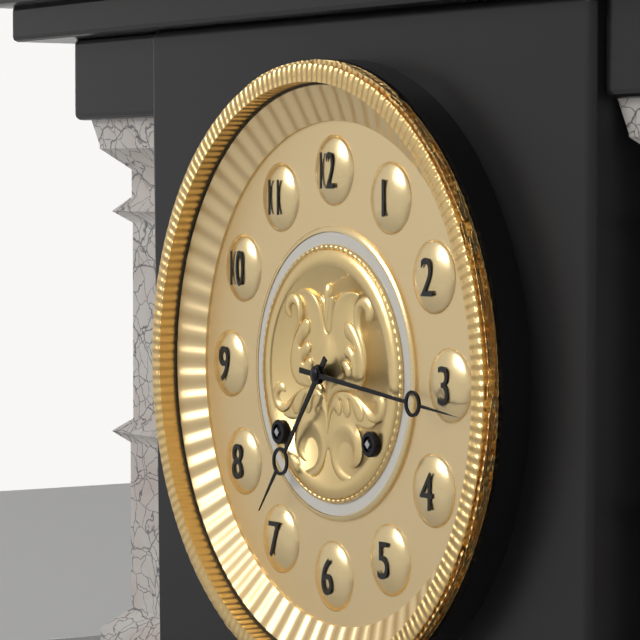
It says 7.16
